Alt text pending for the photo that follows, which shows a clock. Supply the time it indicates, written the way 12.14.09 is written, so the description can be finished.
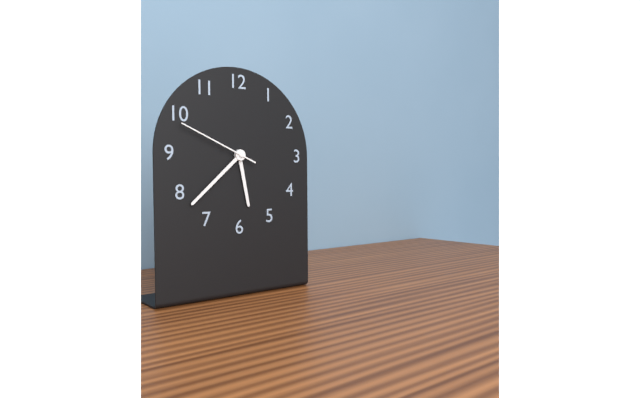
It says 5.38.49
